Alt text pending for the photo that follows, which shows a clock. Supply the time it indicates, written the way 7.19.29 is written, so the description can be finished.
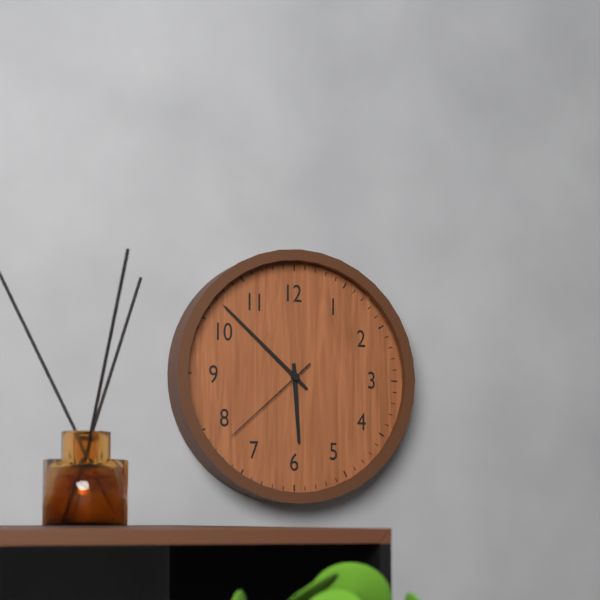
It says 5.52.38
